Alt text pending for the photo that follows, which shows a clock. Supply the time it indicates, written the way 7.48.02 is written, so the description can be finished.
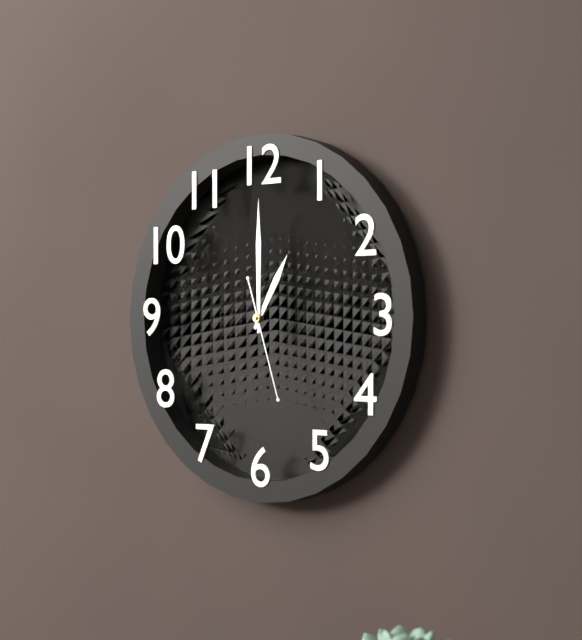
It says 1.00.27
